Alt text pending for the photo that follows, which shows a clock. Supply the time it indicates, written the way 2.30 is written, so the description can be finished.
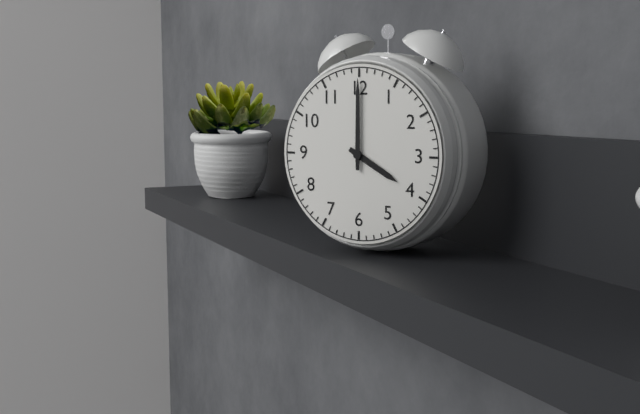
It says 4.00
